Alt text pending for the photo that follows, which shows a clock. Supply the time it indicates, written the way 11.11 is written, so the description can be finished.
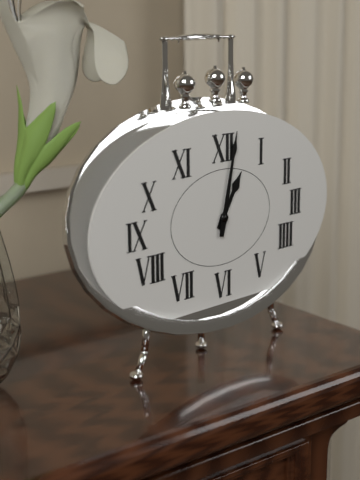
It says 1.02
